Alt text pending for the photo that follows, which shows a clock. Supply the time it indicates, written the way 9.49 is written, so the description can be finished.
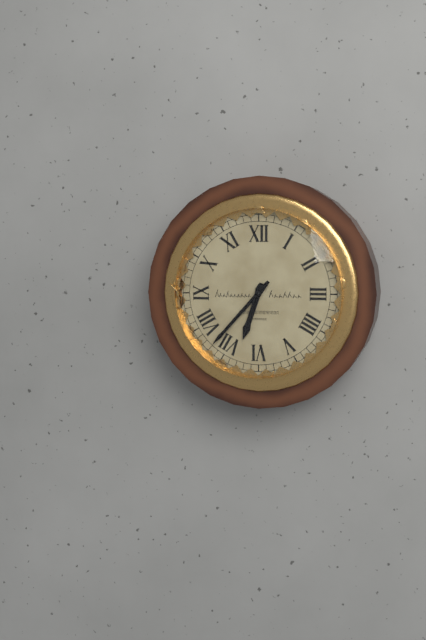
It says 6.37
